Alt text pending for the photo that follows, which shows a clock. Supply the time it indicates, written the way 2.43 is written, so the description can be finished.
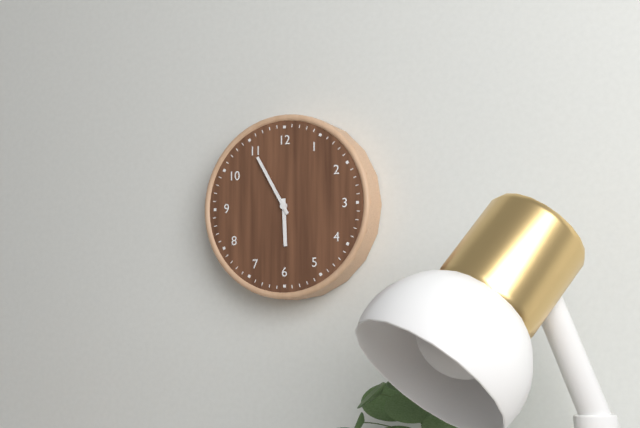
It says 5.55
